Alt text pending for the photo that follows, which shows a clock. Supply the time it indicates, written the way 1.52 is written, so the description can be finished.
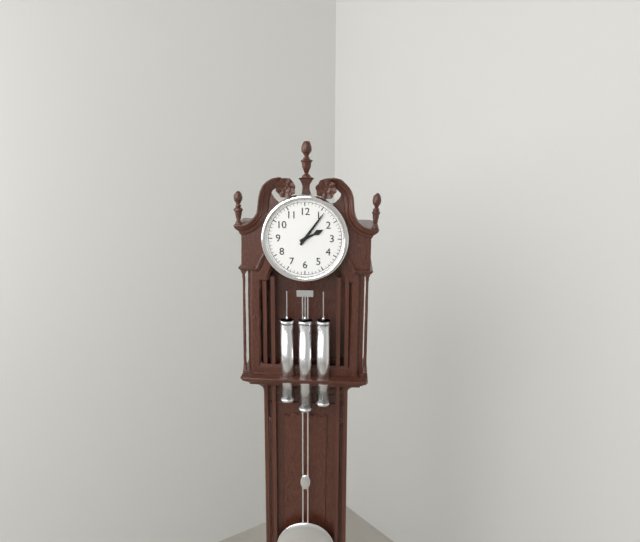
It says 2.06
